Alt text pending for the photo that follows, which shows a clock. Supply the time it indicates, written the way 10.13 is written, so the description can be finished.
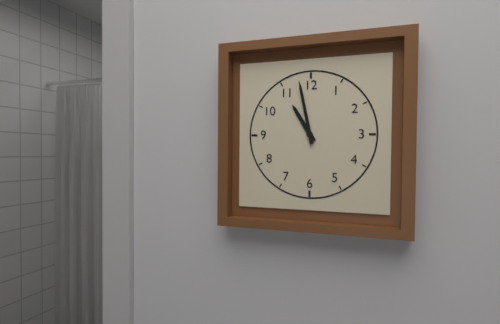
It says 10.58
